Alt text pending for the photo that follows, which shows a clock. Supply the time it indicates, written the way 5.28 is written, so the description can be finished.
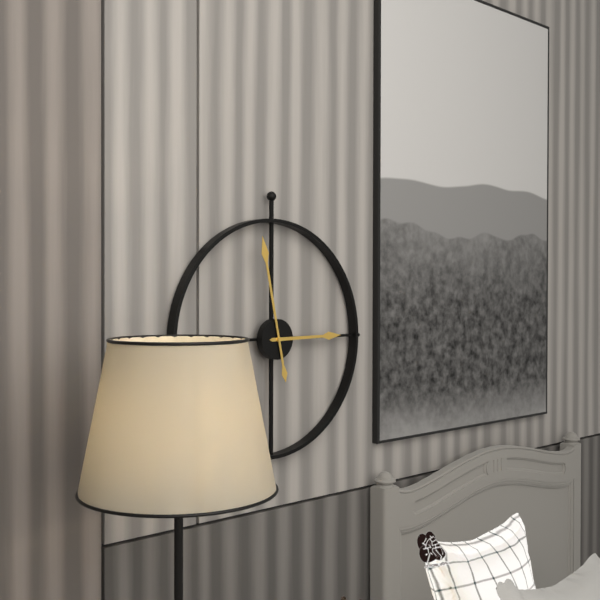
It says 2.58
